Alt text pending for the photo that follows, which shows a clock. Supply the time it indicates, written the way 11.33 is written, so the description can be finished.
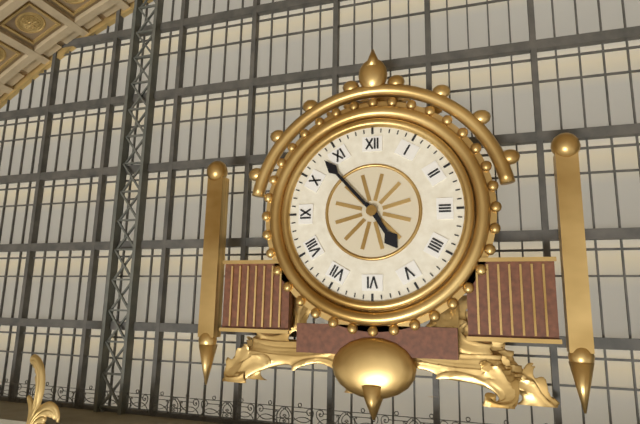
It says 4.53
